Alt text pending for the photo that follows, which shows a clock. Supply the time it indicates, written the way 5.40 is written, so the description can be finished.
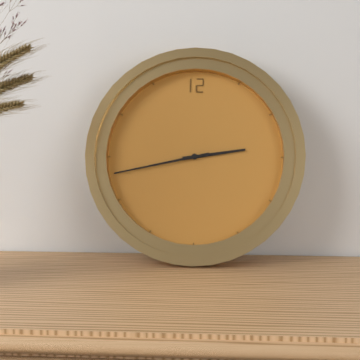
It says 2.43
